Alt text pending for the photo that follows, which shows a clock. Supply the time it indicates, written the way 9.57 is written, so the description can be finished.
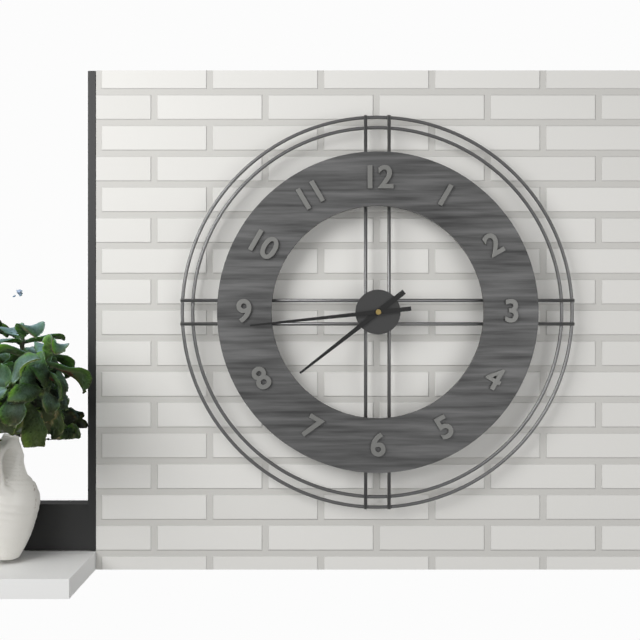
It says 7.44
